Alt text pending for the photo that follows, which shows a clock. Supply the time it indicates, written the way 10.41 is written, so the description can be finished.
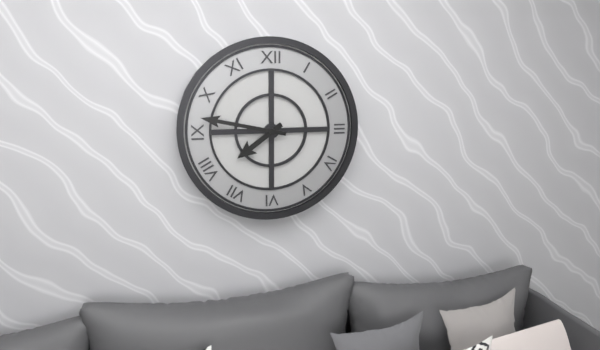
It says 7.47
